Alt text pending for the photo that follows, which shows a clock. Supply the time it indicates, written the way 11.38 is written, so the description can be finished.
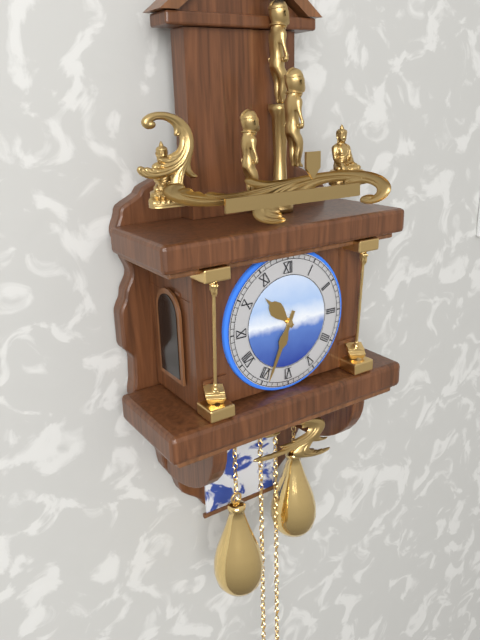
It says 10.34
